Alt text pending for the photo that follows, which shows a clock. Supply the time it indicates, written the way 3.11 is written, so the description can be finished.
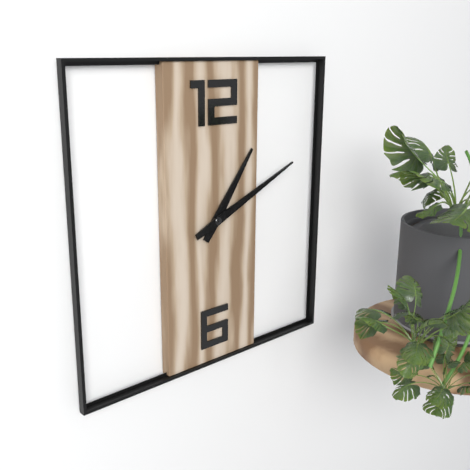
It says 1.11
